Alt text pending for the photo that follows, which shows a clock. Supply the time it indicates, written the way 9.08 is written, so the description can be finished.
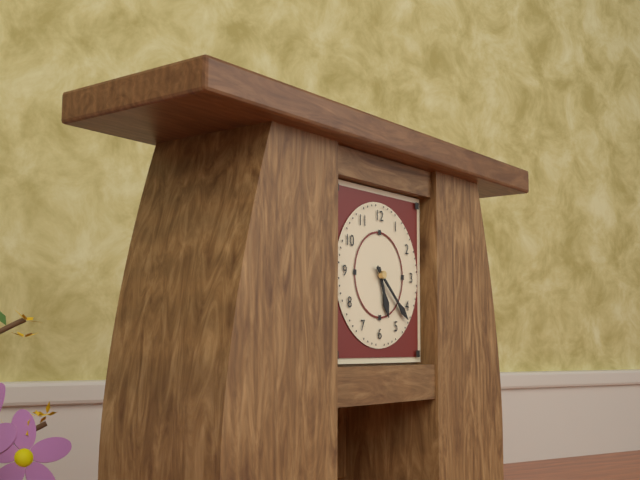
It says 5.22
